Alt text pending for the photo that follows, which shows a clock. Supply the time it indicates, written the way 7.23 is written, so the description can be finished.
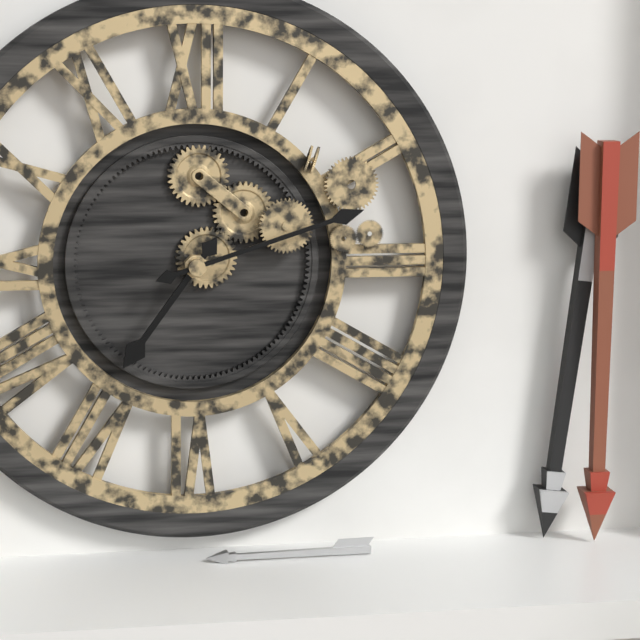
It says 7.12
